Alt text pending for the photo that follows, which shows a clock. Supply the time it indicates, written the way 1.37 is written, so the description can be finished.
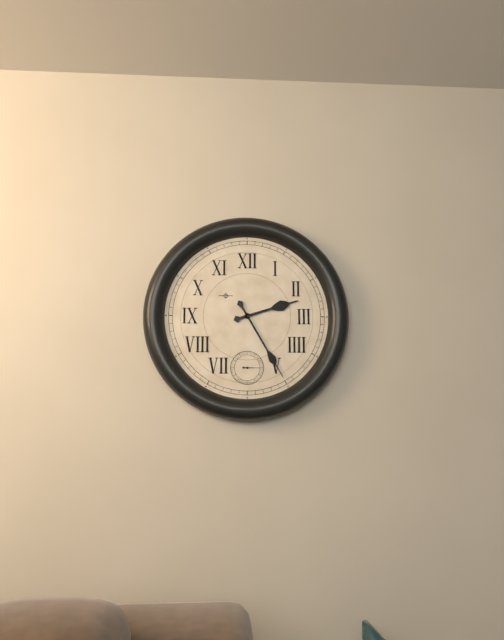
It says 2.25
